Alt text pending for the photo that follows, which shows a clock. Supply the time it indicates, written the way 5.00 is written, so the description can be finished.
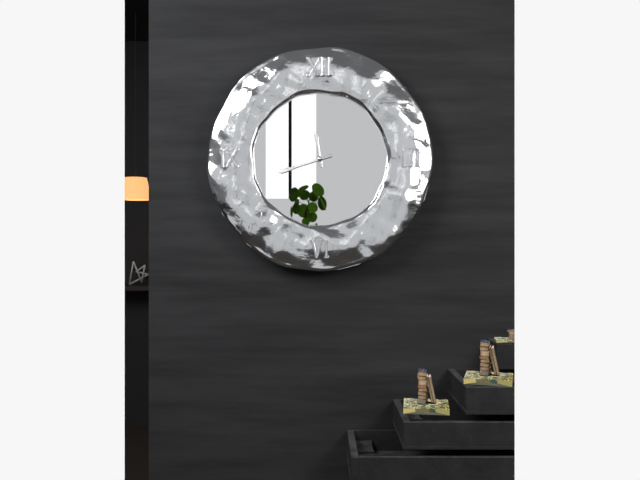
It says 11.42
